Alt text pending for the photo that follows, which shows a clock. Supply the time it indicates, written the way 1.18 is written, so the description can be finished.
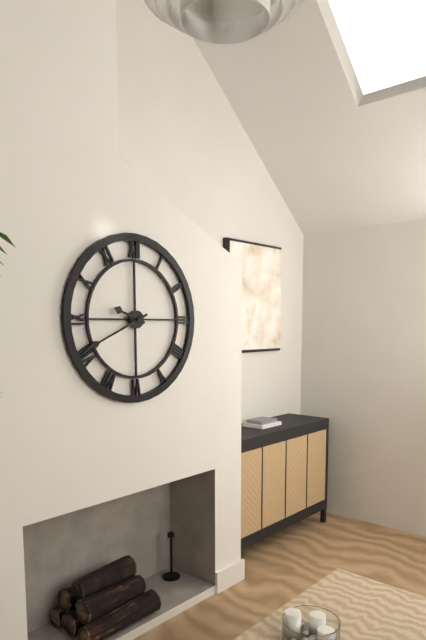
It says 9.41
